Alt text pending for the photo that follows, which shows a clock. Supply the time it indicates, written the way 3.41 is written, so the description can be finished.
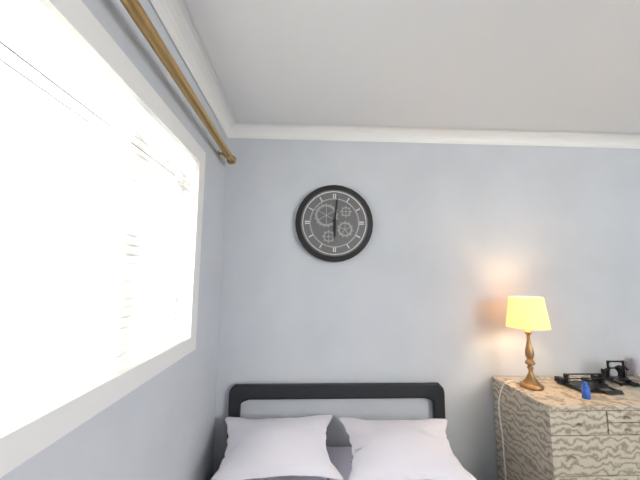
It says 6.01
